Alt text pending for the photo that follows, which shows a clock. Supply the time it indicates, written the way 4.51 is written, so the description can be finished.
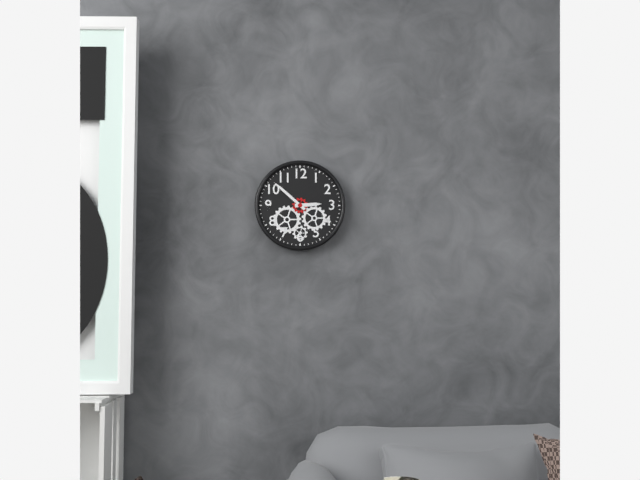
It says 2.52
